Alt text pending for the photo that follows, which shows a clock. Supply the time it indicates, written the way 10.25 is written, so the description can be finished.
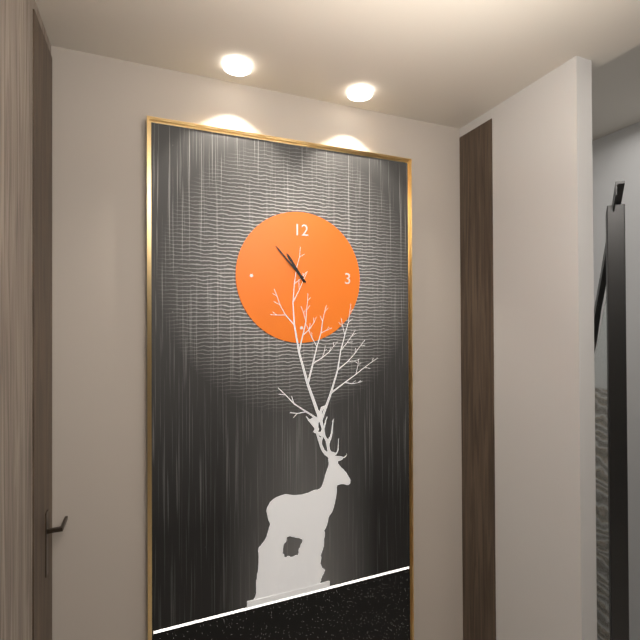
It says 10.53
